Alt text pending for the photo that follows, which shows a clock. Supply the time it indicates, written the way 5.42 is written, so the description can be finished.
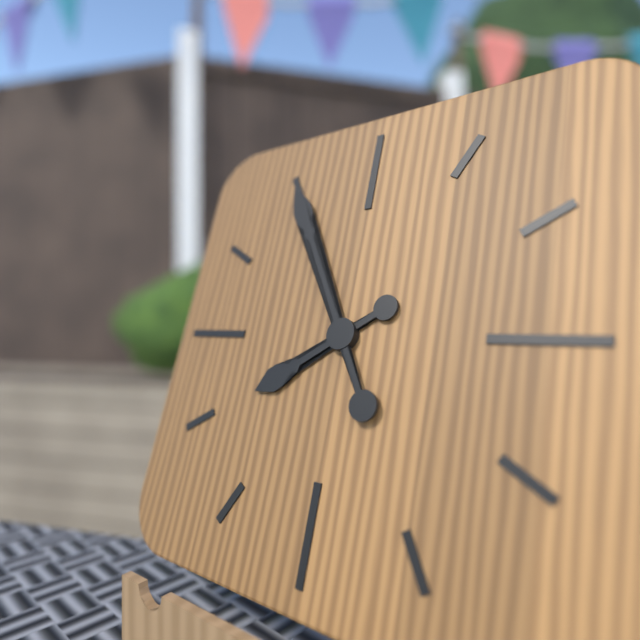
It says 7.55
